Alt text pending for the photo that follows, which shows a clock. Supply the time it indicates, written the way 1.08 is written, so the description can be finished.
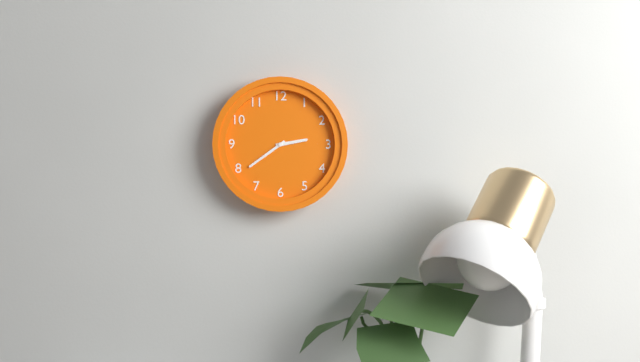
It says 2.39
